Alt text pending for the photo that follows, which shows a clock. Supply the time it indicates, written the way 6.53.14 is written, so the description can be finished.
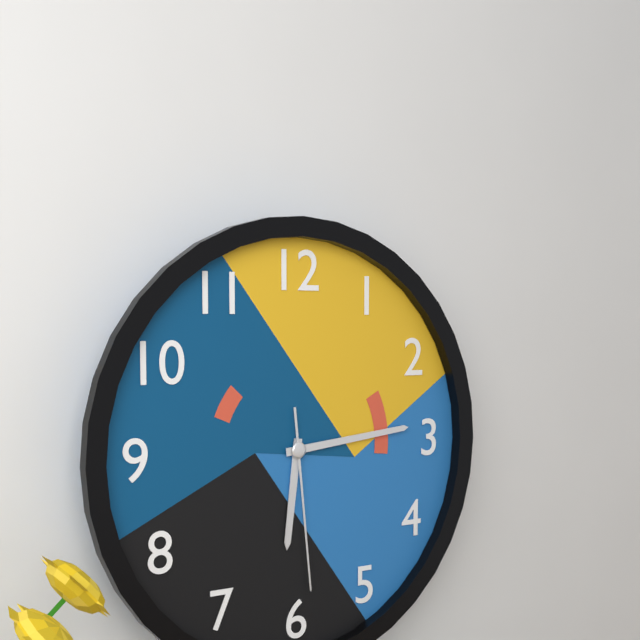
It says 6.14.29
